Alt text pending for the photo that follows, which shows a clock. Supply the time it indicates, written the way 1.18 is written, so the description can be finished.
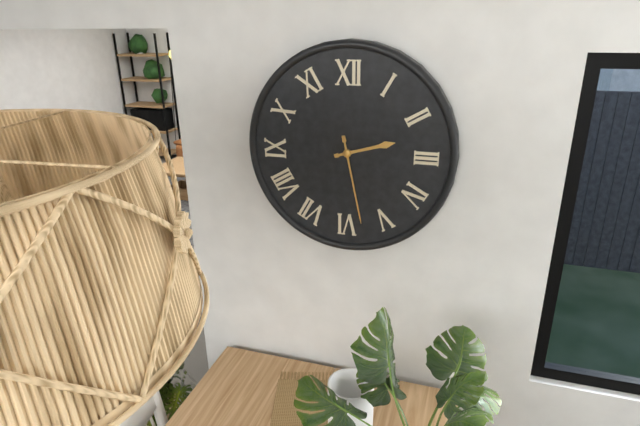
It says 2.28
